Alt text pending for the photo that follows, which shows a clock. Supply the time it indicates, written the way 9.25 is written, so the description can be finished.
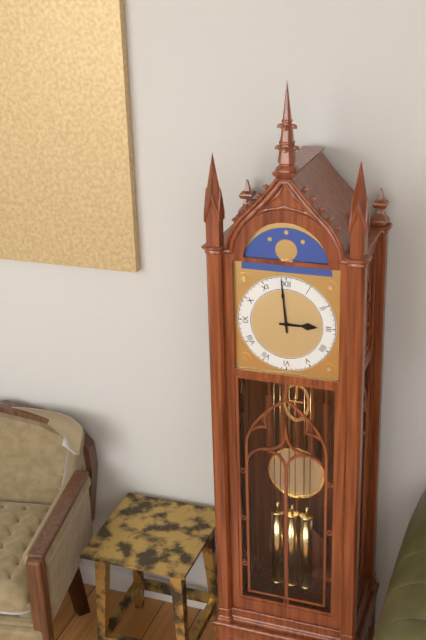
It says 2.59
